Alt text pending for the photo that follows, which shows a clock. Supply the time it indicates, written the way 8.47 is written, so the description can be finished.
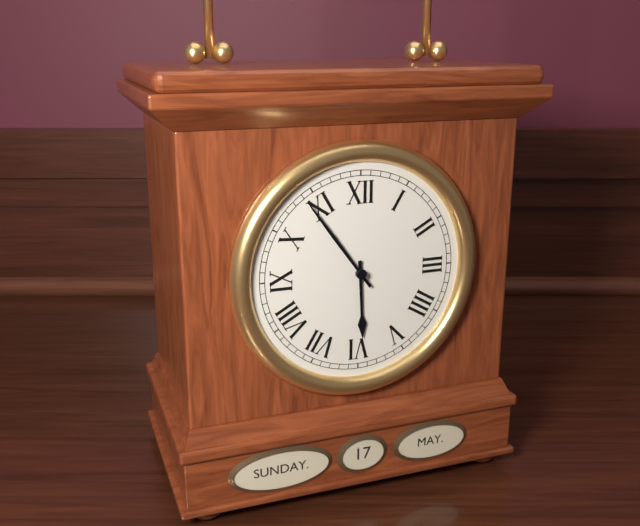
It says 5.54
